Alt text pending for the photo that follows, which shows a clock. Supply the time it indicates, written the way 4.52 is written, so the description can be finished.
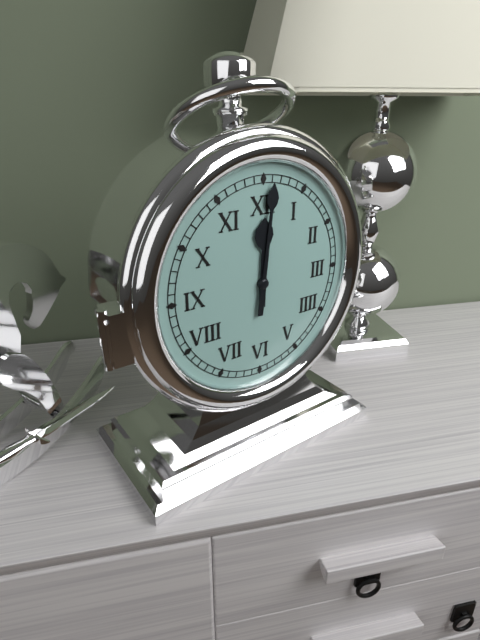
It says 12.01
